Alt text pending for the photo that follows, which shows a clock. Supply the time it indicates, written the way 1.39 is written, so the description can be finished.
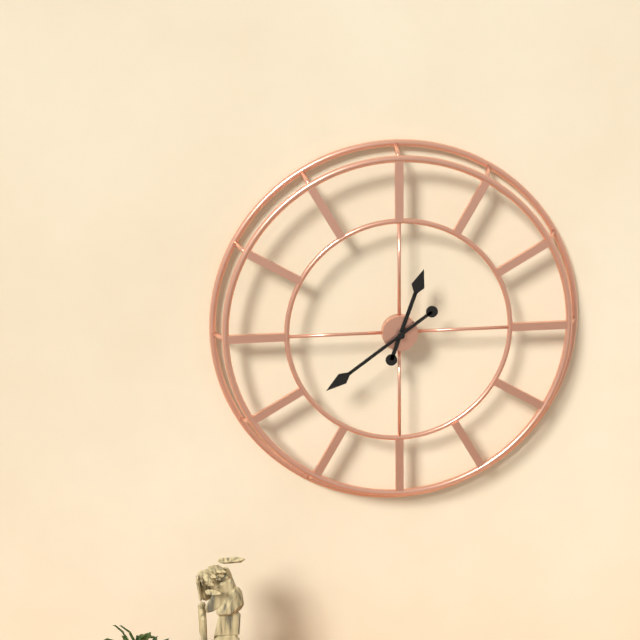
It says 12.39
